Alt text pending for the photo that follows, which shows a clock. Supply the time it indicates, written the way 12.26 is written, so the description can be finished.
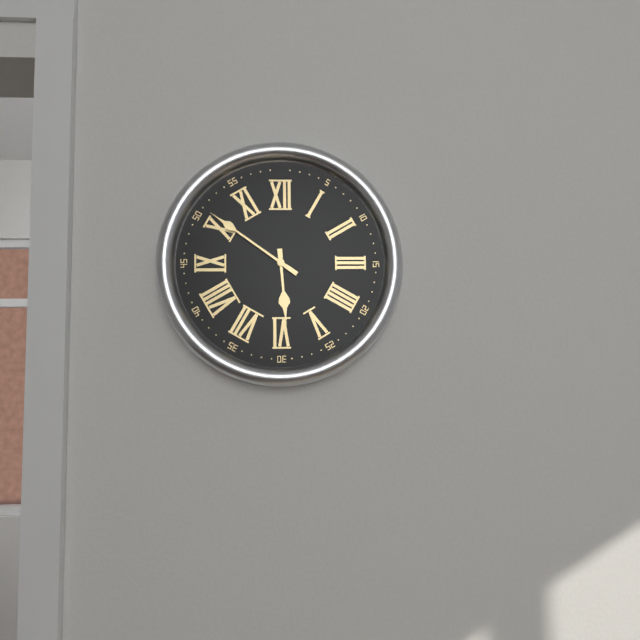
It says 5.51
